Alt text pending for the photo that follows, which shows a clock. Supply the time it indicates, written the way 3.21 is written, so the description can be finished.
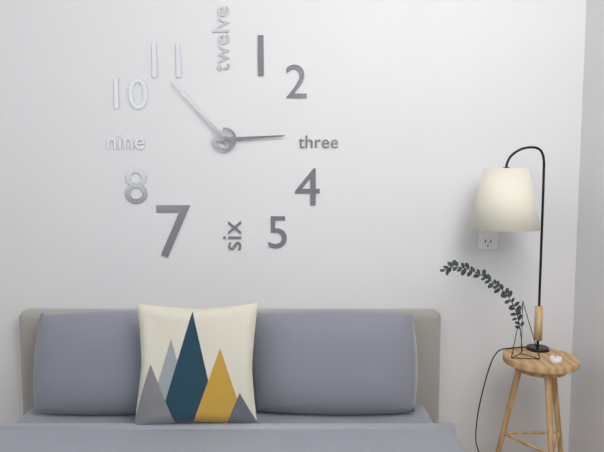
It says 2.53
